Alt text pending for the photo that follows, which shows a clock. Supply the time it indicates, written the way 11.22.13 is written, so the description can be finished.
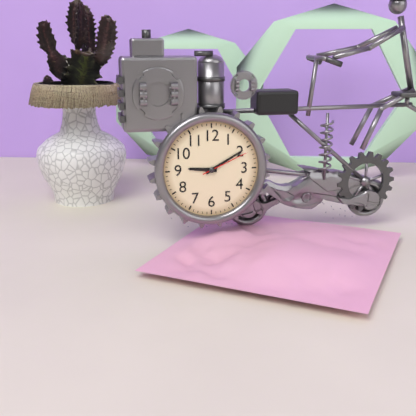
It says 9.10.11
